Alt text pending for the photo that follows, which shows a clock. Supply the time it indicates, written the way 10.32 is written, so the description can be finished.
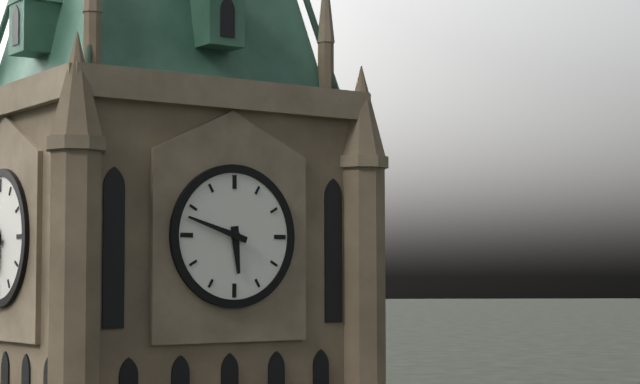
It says 5.48
